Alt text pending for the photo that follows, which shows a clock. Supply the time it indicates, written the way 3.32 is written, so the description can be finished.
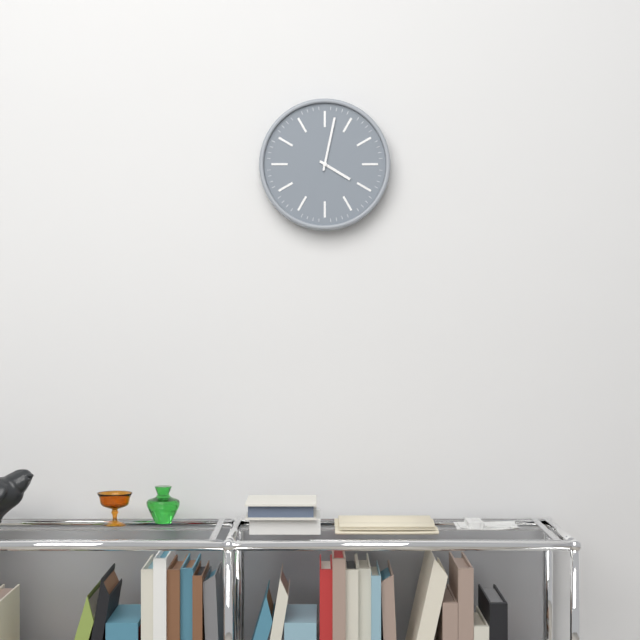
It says 4.02
